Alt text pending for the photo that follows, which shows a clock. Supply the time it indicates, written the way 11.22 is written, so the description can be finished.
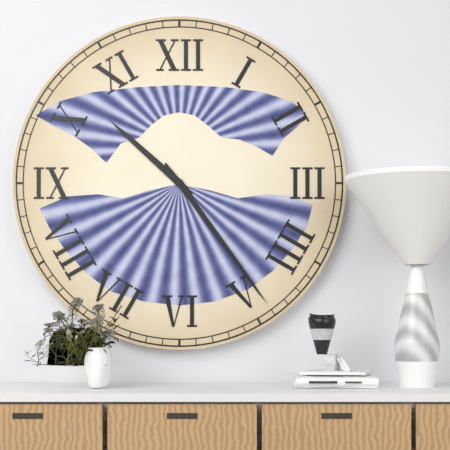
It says 10.24
